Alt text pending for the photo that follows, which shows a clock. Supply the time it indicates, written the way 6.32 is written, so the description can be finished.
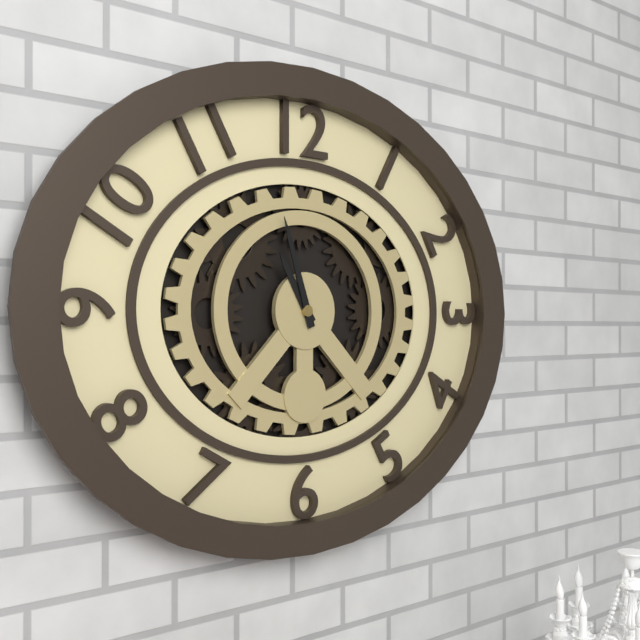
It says 10.57
